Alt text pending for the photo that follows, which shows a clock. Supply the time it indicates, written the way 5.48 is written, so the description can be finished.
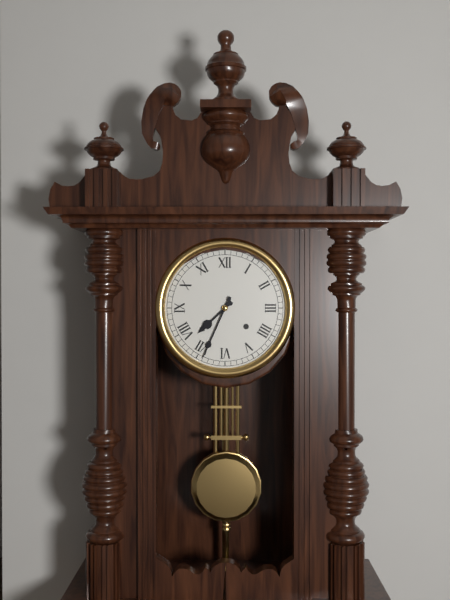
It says 7.34
